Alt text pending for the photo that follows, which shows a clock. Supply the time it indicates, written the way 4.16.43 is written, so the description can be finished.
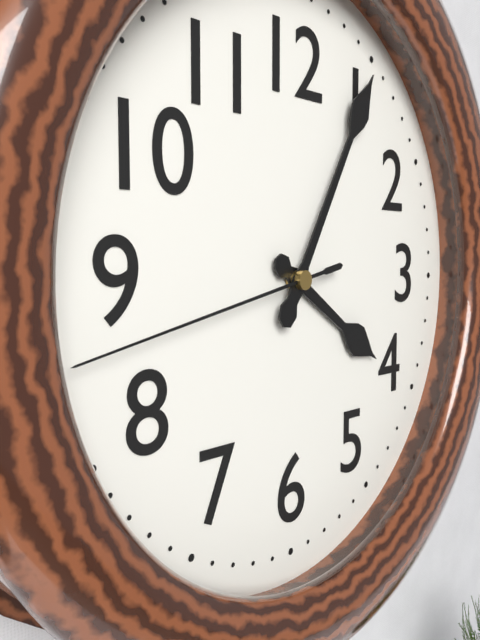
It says 4.05.43
